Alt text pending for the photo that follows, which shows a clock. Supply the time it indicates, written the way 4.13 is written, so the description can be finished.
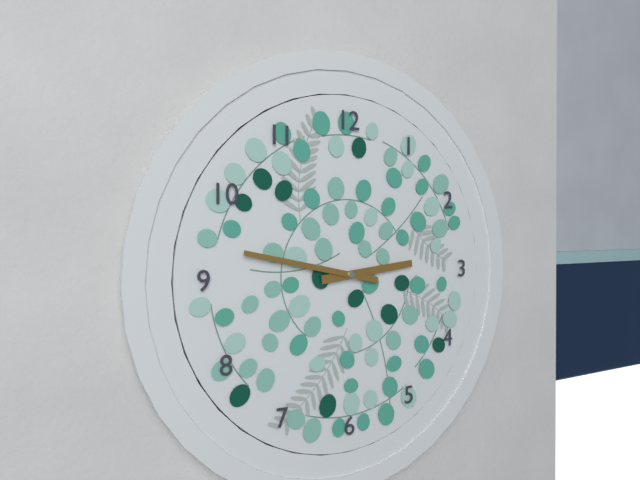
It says 2.47
